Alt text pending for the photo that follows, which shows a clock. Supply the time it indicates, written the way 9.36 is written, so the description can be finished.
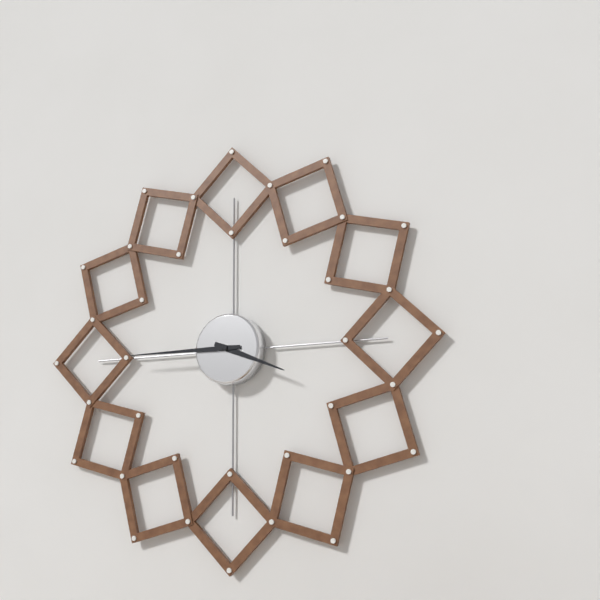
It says 3.45
